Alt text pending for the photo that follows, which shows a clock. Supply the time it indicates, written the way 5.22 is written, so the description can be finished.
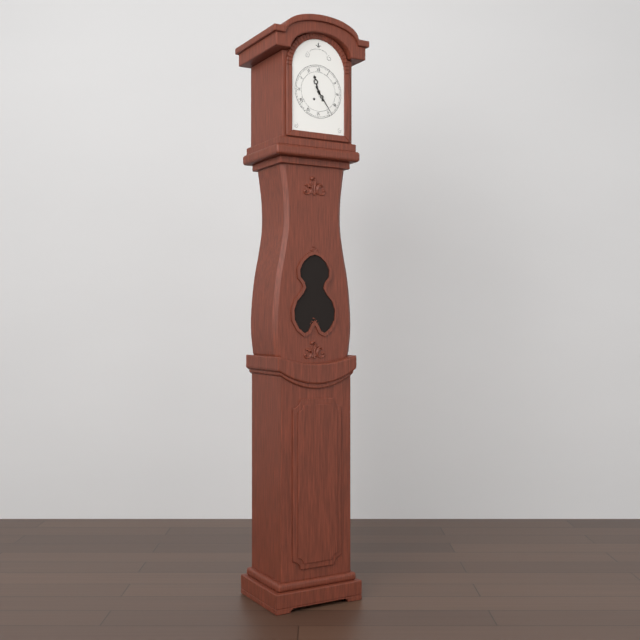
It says 11.24
